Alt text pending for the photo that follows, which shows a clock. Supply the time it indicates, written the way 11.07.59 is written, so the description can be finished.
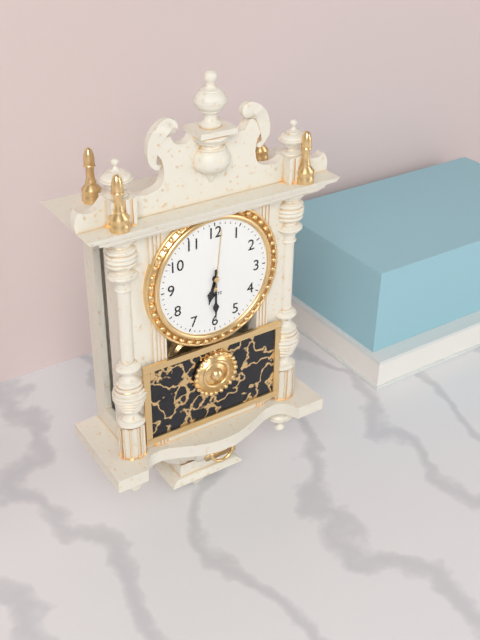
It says 6.30.01
